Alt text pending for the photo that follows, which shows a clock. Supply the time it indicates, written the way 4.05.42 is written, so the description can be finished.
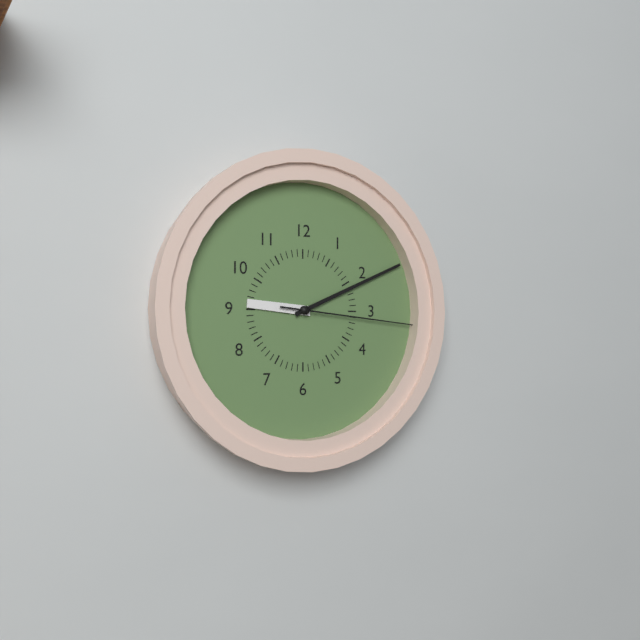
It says 9.11.16
